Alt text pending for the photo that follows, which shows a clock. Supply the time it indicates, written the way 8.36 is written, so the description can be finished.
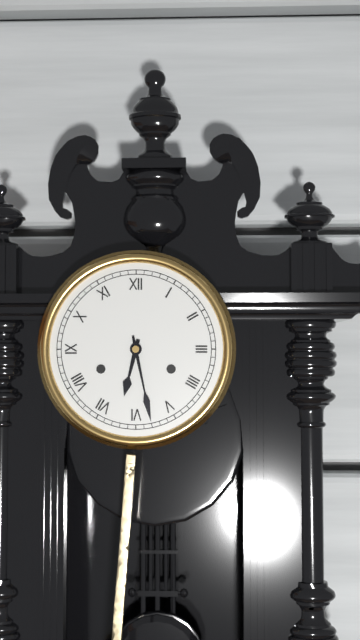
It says 6.28
